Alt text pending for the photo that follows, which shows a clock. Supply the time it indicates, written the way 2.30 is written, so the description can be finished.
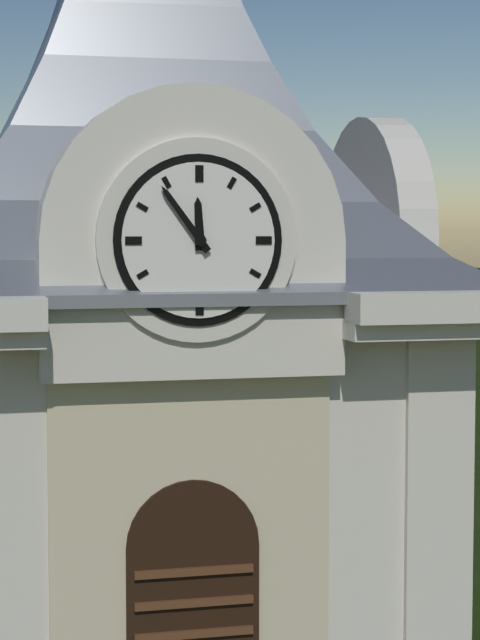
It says 11.54
